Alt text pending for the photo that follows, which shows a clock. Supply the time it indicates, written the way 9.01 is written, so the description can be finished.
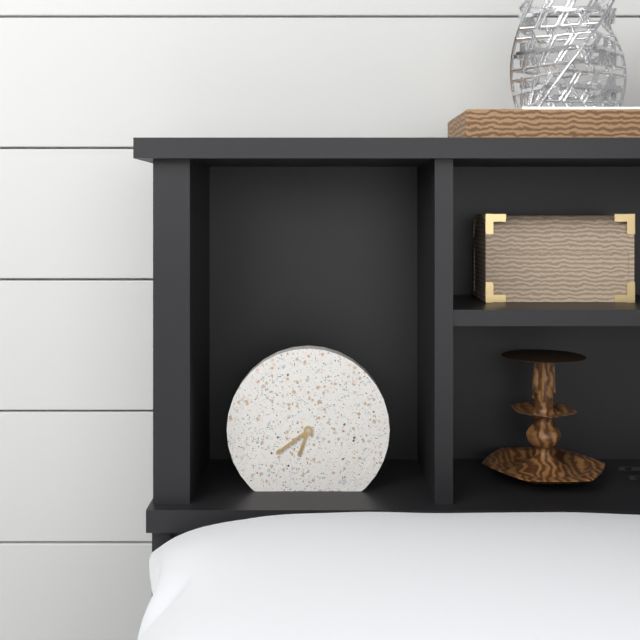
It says 6.39
